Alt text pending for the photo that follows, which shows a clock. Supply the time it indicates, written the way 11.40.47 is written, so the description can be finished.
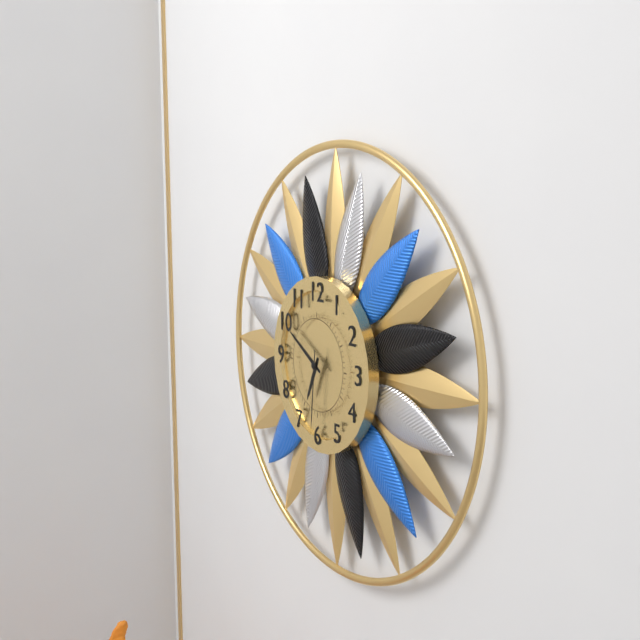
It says 6.50.31
